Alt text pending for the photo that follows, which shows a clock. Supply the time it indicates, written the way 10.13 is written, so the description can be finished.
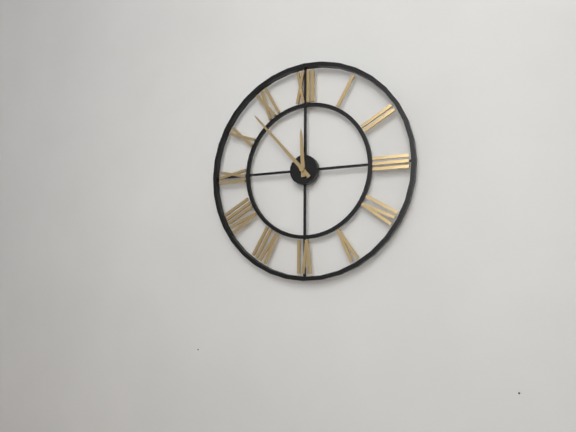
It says 11.53
